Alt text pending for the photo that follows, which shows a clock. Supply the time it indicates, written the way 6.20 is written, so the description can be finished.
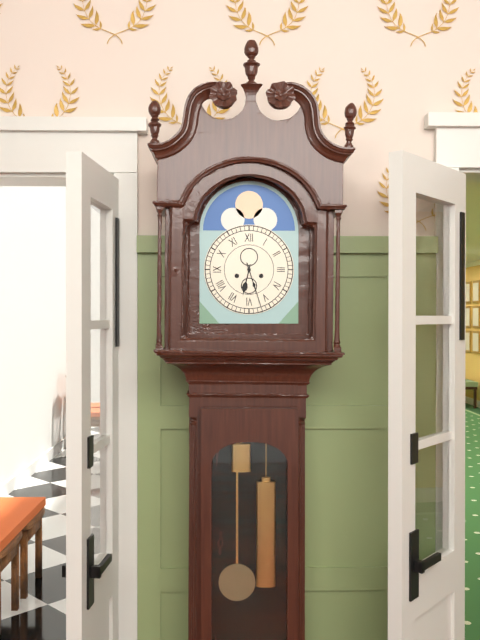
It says 6.27
